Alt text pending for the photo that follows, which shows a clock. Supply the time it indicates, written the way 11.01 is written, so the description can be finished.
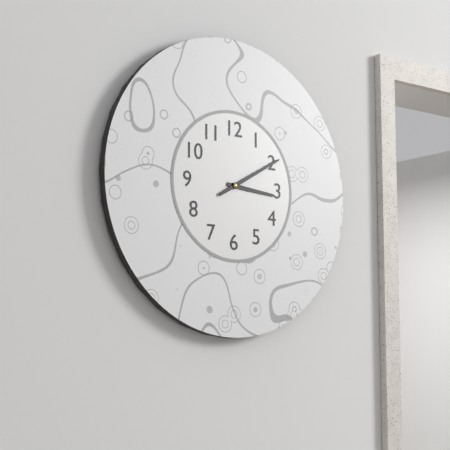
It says 3.10
